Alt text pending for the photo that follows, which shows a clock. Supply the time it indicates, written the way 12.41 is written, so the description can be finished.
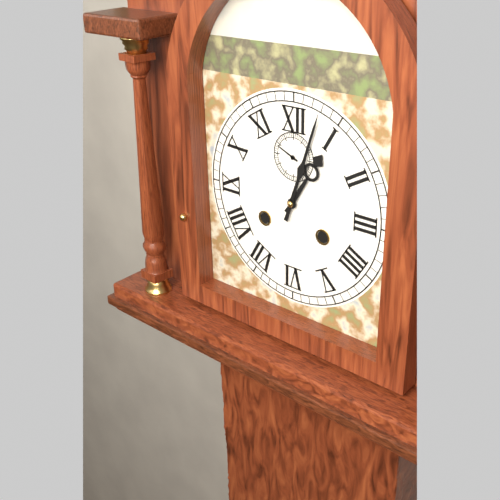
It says 1.03
